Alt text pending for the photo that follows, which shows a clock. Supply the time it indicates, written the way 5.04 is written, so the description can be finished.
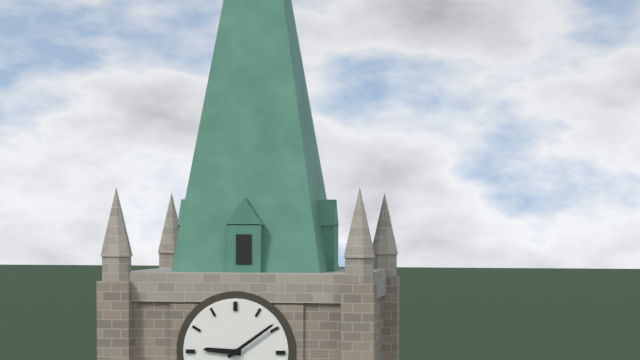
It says 9.09
